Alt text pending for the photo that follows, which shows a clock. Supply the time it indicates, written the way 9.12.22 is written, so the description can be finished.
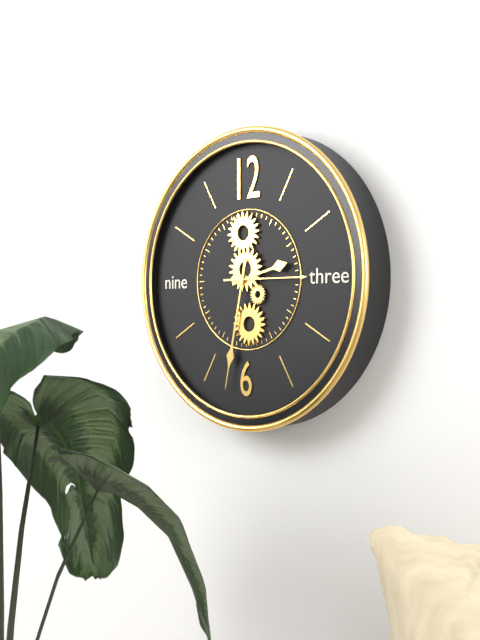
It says 2.32.15
